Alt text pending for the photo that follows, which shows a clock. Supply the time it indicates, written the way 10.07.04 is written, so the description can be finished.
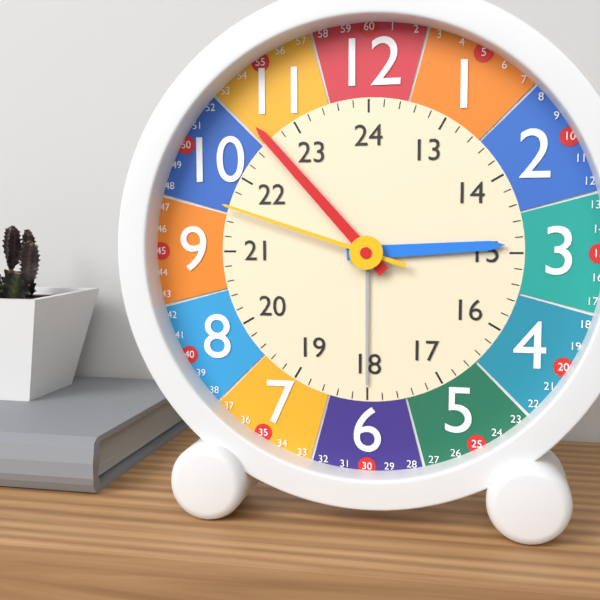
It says 2.53.48
